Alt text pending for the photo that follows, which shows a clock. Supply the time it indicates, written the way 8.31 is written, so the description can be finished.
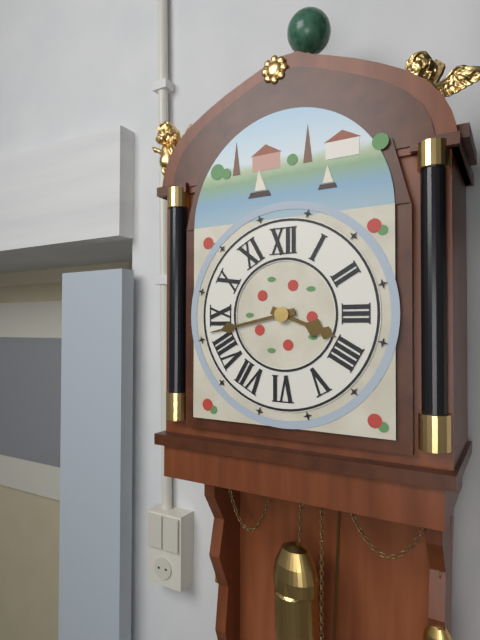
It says 3.43
